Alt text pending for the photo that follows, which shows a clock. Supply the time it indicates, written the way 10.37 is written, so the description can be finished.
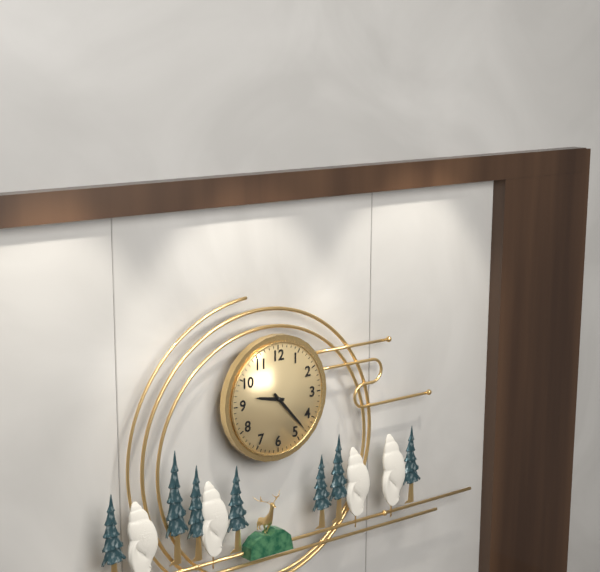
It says 9.23
